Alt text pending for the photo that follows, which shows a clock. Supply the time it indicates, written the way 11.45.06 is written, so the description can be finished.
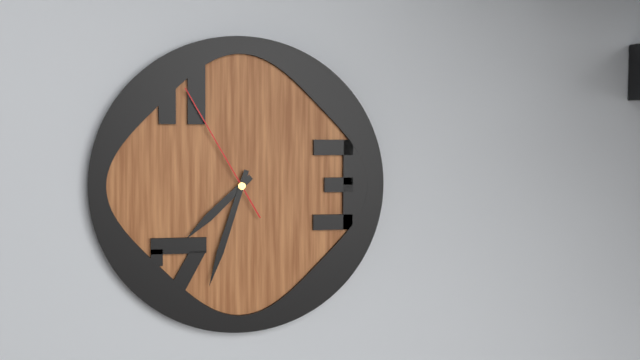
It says 7.33.55
